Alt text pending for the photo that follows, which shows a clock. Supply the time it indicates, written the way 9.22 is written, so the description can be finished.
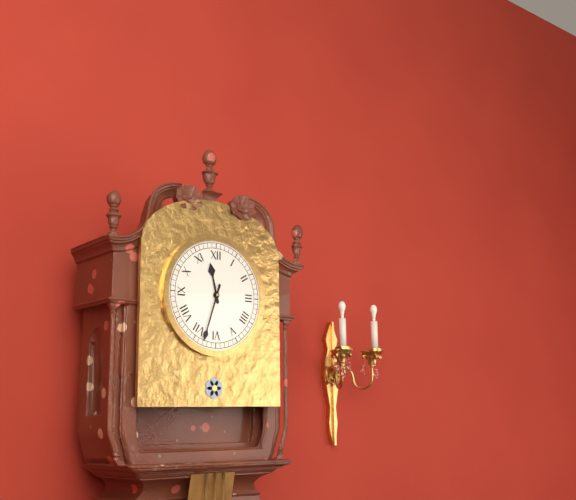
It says 11.33
